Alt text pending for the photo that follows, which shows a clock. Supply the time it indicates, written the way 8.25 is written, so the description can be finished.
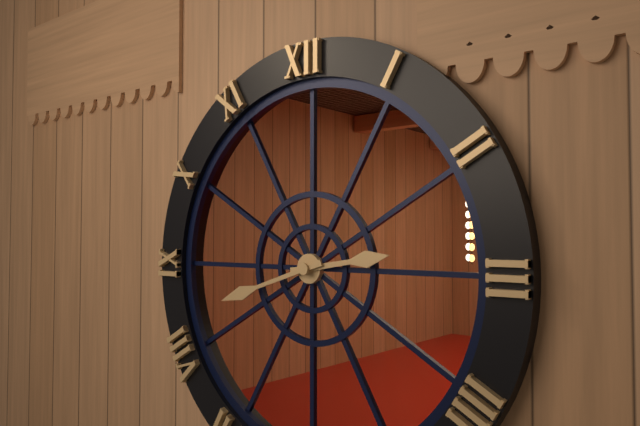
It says 2.42
